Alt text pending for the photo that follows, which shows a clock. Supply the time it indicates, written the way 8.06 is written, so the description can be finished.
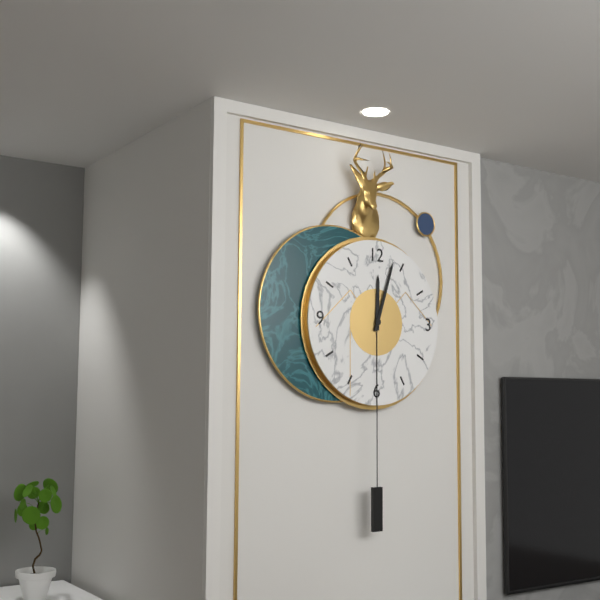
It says 12.03
